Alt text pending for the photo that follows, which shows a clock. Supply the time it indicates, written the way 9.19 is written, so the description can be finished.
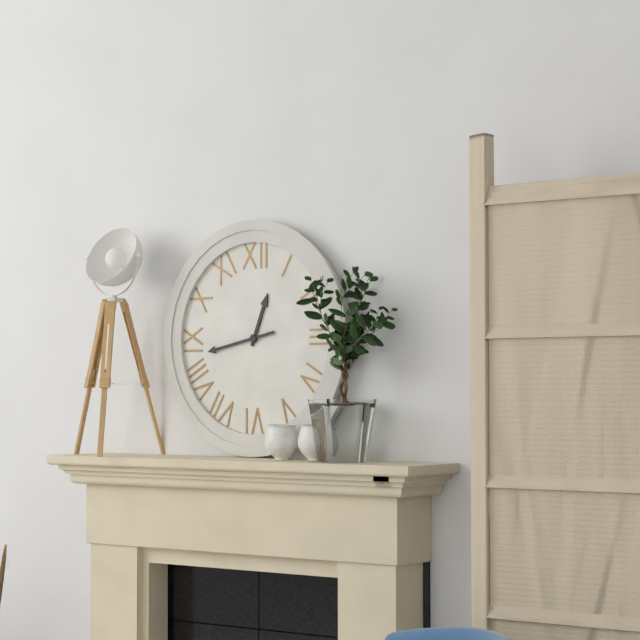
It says 12.43
